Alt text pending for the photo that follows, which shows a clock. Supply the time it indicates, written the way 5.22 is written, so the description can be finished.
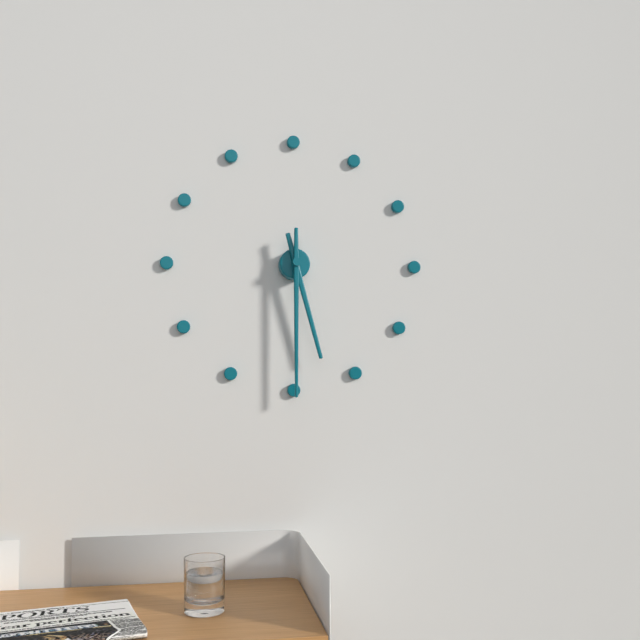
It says 5.30
